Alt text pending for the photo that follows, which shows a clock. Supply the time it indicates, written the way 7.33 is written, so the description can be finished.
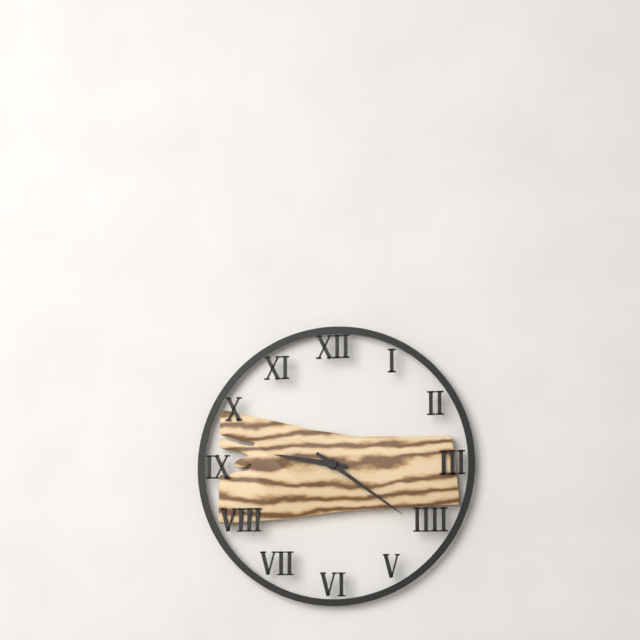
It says 9.21
